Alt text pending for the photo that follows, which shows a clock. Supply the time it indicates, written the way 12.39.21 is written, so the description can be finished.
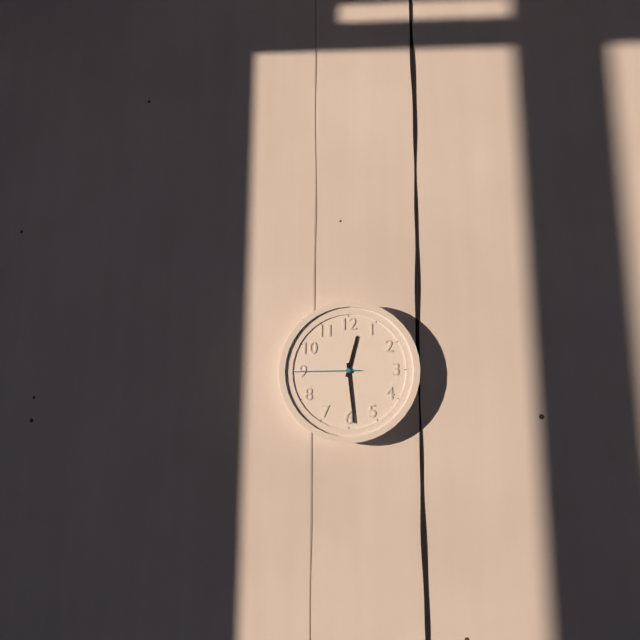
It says 12.29.45
